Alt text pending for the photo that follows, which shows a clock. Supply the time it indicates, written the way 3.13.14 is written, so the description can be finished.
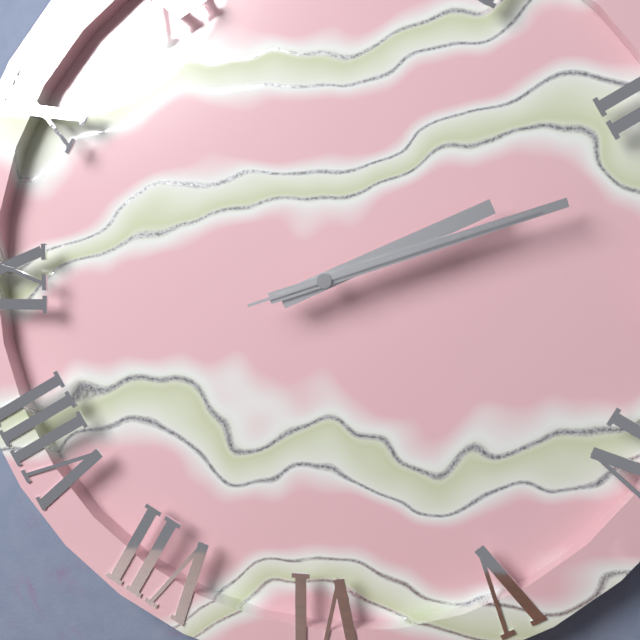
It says 2.12.12
